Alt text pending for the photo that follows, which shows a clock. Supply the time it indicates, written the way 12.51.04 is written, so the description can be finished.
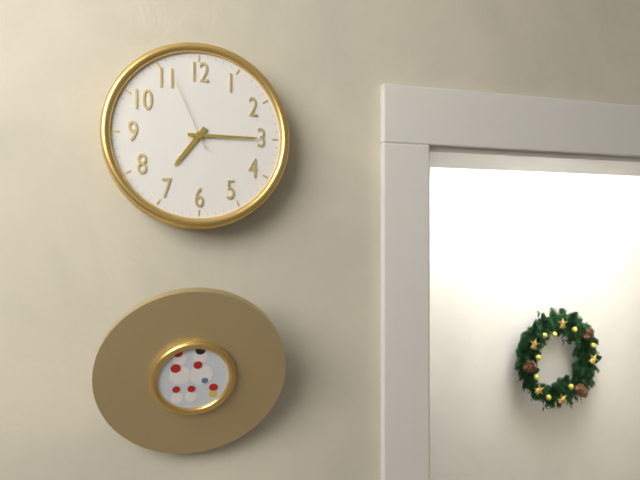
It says 7.15.56
